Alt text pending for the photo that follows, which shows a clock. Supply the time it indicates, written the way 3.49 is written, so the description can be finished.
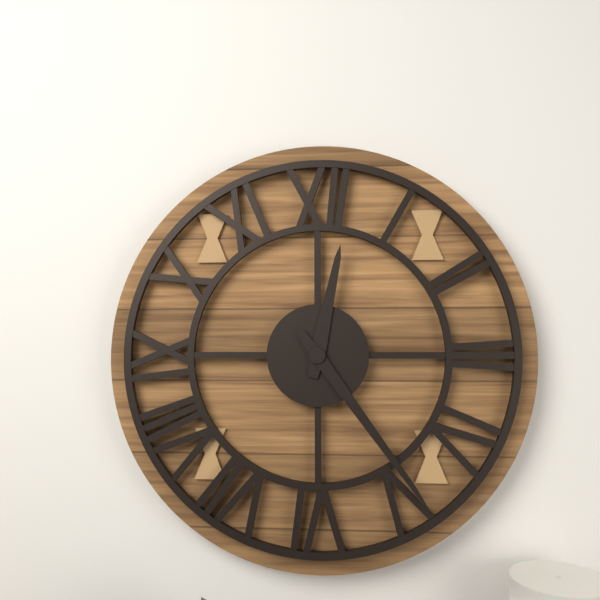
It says 12.24
